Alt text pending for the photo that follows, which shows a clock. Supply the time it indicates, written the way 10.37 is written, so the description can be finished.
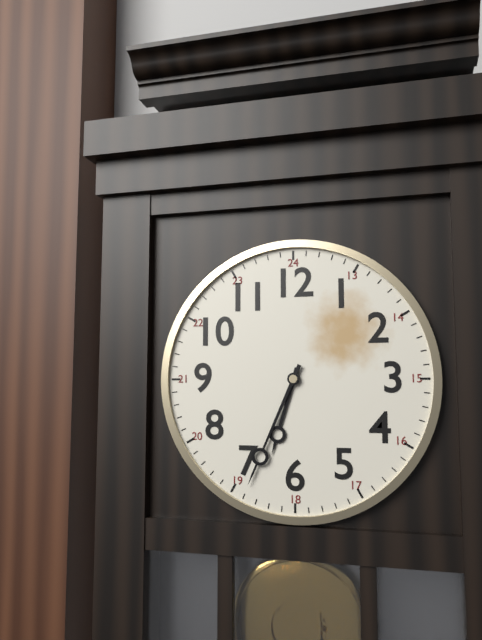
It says 6.34
